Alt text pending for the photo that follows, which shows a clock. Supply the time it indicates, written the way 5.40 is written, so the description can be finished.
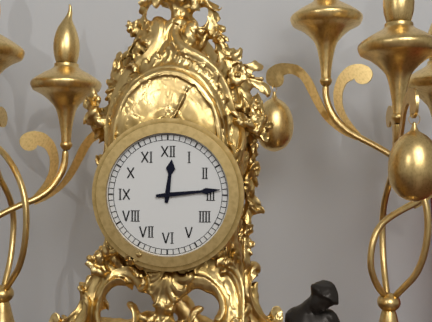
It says 12.14
